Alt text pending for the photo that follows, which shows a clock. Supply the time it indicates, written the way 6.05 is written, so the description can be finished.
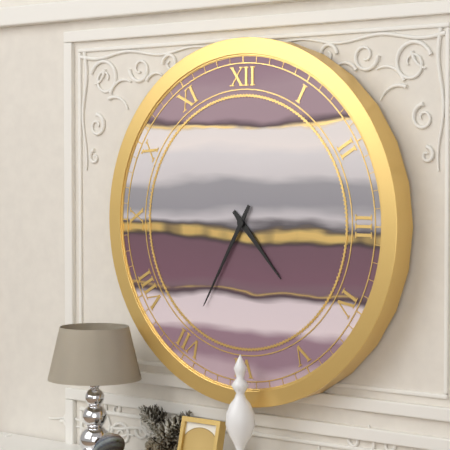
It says 4.35
